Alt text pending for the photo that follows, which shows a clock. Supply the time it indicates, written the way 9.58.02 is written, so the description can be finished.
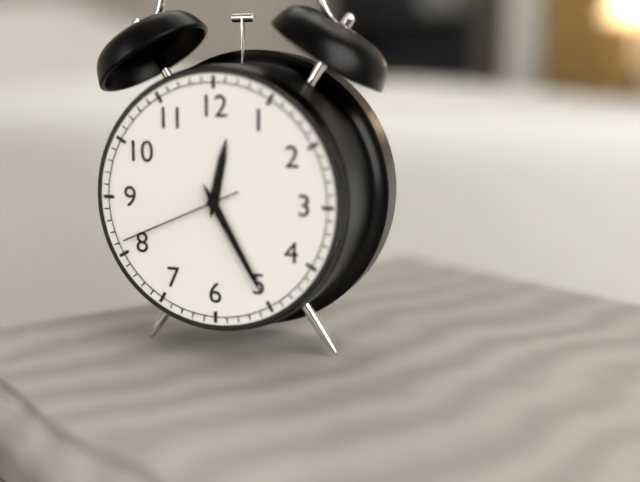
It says 12.25.41
